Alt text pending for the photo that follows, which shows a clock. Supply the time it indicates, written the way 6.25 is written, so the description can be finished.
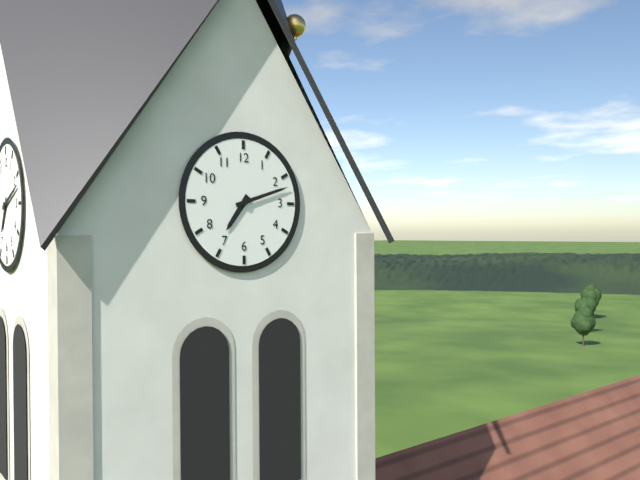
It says 7.12
